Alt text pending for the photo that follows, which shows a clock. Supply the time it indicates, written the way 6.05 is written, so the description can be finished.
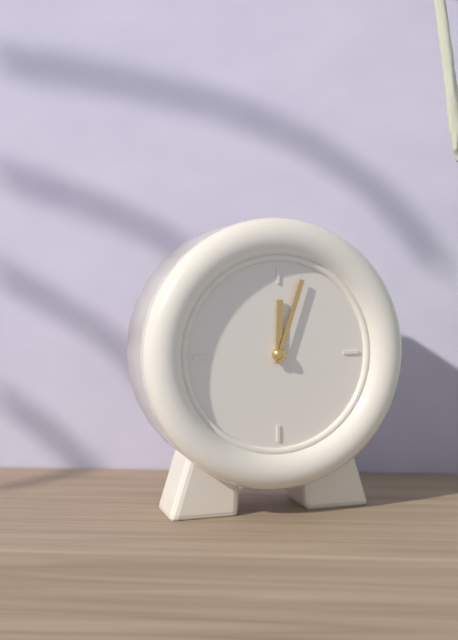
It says 12.03
